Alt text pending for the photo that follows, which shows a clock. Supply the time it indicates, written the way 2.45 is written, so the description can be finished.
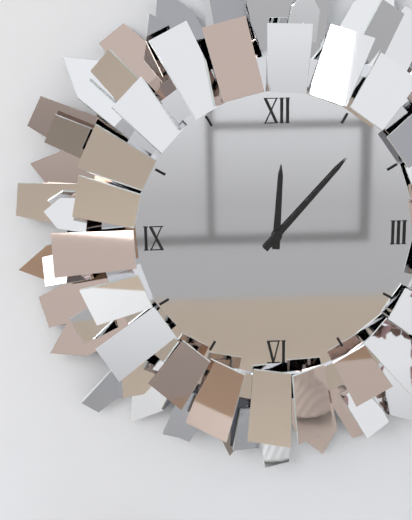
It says 12.07
